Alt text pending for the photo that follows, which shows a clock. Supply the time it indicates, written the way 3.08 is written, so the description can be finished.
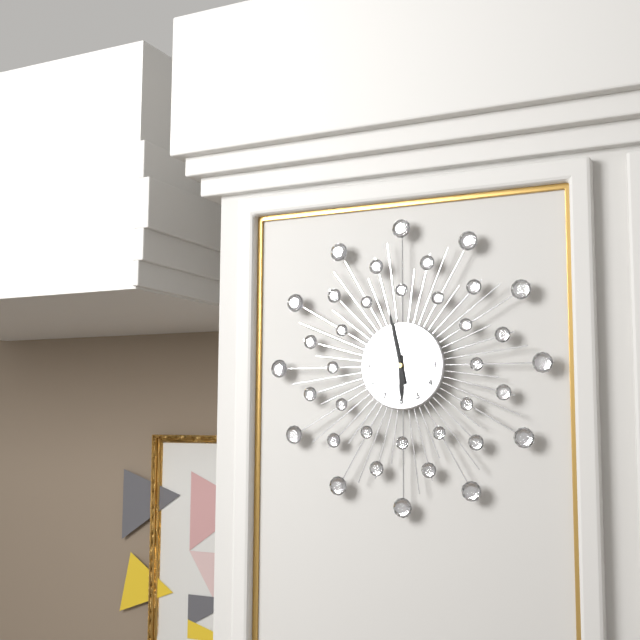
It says 5.58
